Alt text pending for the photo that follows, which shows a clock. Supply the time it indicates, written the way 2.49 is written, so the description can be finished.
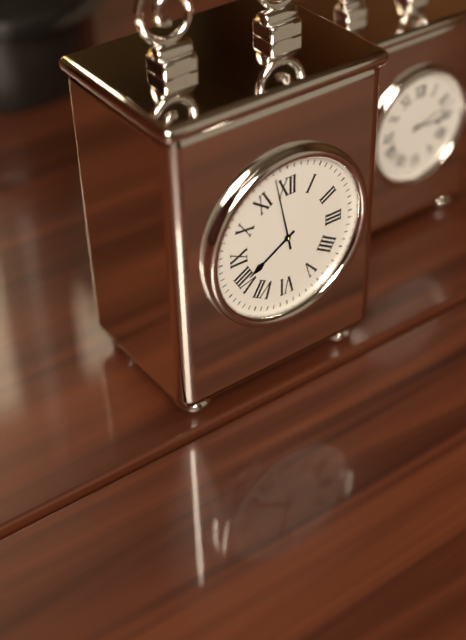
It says 7.58
